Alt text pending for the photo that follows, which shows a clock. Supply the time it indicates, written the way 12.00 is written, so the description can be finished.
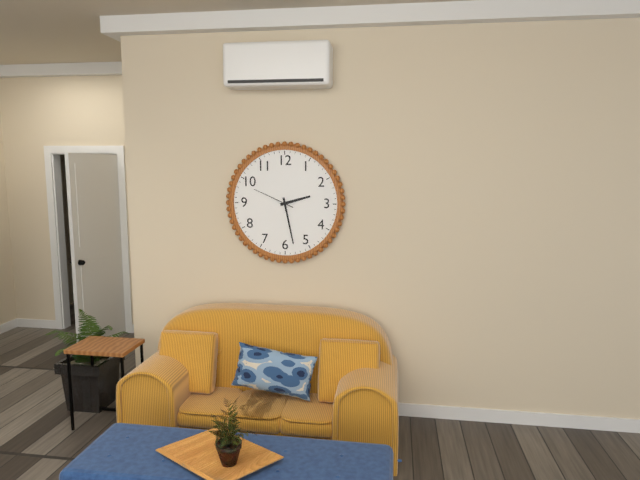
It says 2.28
